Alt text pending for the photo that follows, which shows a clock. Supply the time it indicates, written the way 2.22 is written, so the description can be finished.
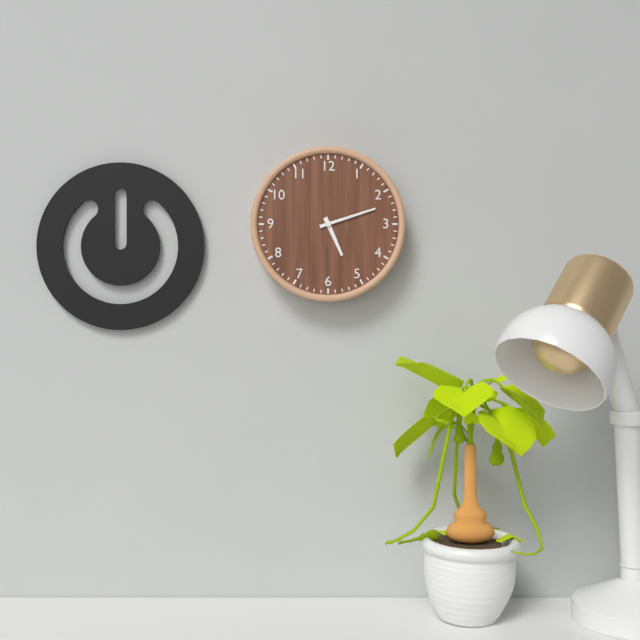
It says 5.12
